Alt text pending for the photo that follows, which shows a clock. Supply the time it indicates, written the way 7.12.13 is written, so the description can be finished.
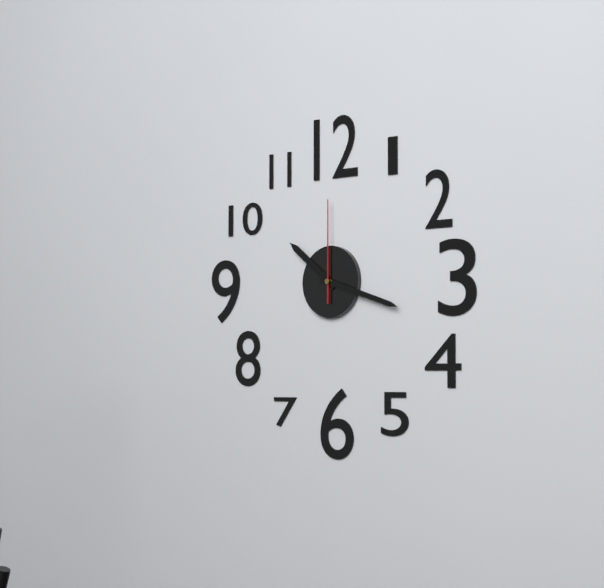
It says 10.18.00
